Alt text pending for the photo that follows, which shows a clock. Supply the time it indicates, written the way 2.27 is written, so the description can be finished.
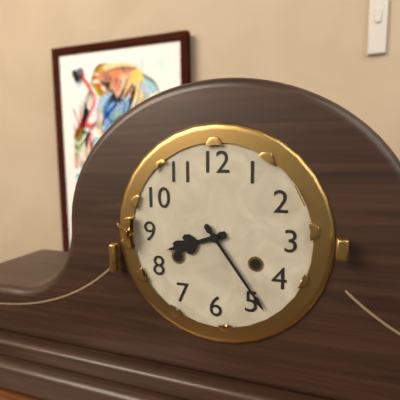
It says 8.24
